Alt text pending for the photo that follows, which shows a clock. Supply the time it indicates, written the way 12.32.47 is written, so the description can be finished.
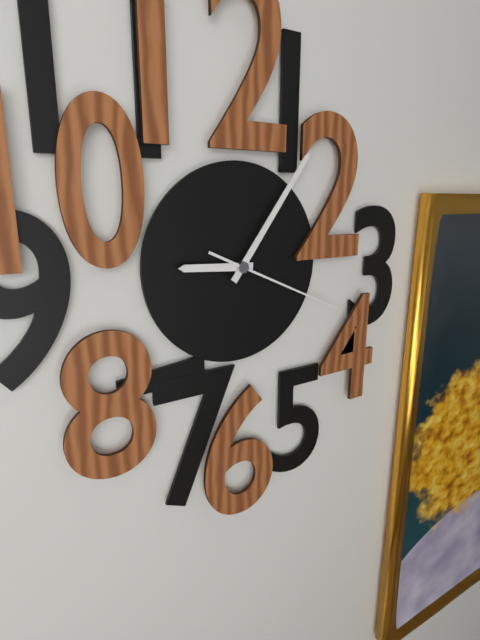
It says 9.06.19
